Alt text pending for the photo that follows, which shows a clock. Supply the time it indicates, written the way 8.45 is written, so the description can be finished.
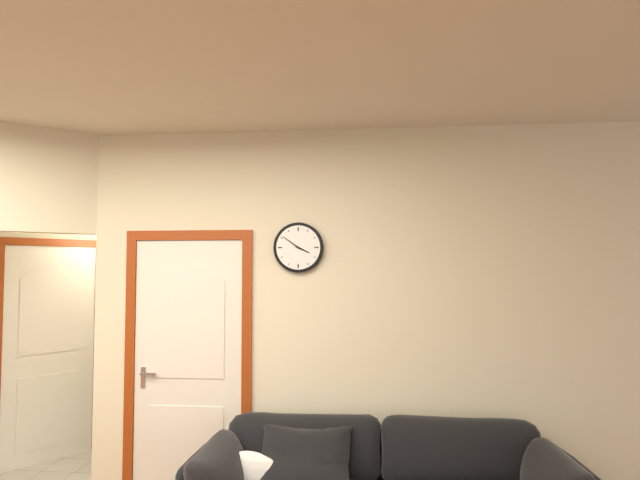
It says 3.51
